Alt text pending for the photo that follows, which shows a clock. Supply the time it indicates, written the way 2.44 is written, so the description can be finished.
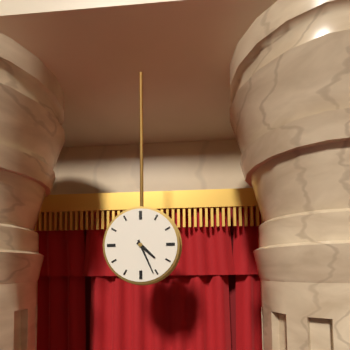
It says 4.26
